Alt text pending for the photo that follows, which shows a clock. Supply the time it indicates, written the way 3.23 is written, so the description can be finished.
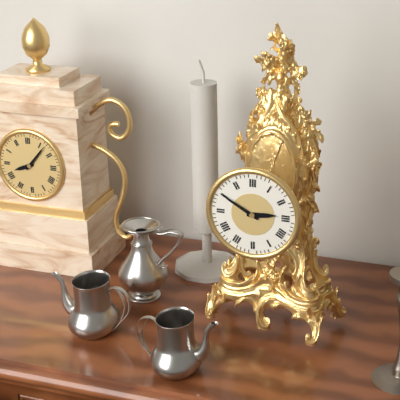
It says 2.50
